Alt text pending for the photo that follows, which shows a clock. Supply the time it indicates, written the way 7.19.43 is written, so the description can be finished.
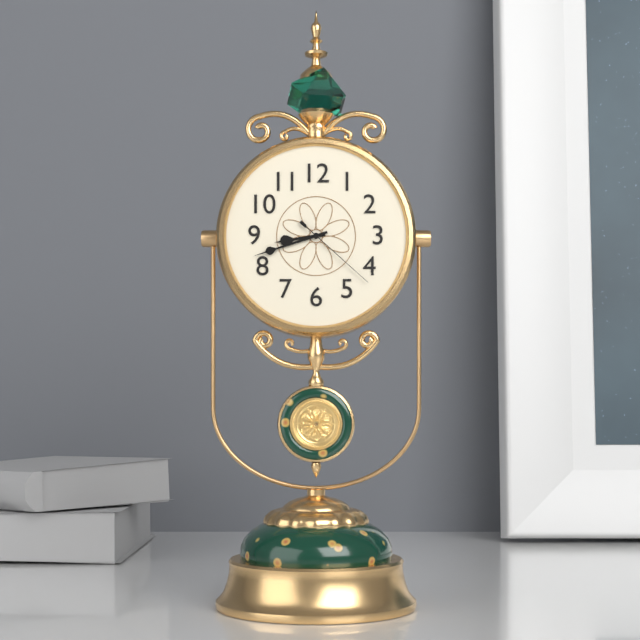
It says 8.42.22
